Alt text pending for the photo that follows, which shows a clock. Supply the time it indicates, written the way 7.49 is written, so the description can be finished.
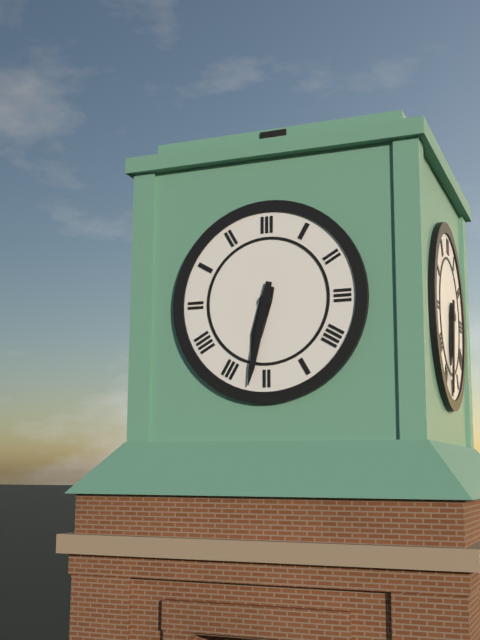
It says 6.32
